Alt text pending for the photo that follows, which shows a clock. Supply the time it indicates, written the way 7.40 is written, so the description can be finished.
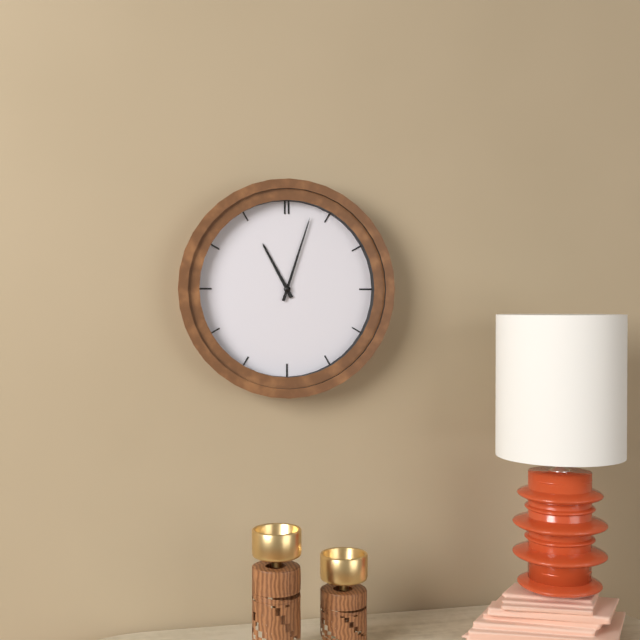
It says 11.03
